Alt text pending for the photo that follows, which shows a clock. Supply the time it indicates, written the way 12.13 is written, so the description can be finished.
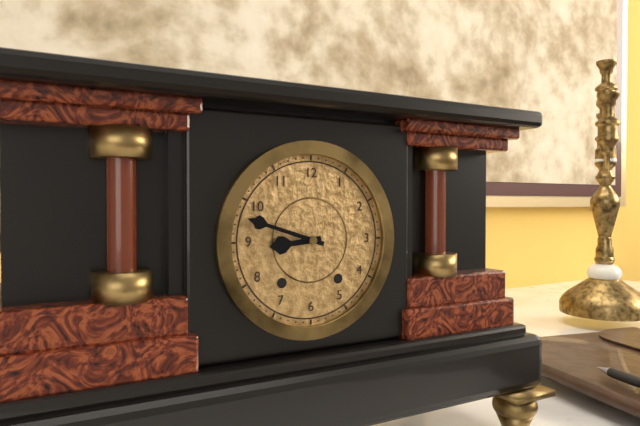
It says 8.48
